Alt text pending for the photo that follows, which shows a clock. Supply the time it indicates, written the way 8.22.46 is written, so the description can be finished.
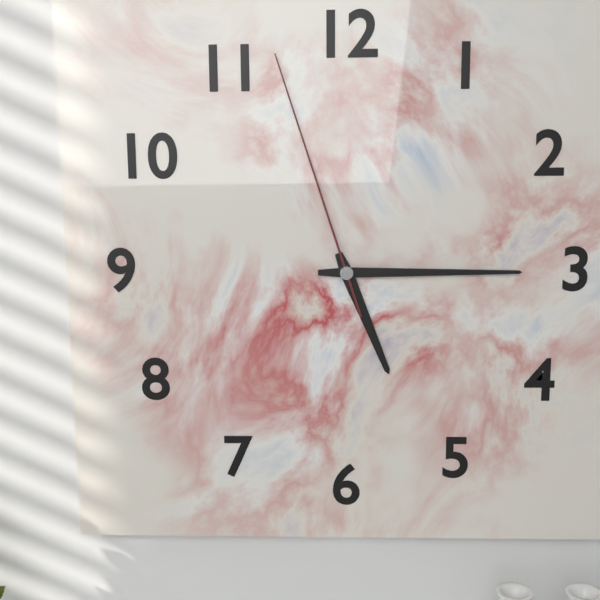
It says 5.15.57
